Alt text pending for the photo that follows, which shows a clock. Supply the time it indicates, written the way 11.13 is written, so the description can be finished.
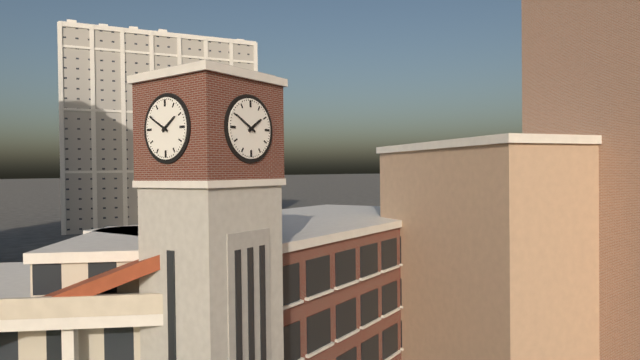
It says 1.50
